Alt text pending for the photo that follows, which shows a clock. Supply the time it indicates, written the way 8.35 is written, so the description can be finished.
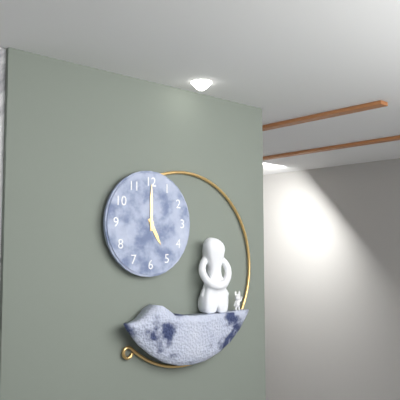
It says 5.00
